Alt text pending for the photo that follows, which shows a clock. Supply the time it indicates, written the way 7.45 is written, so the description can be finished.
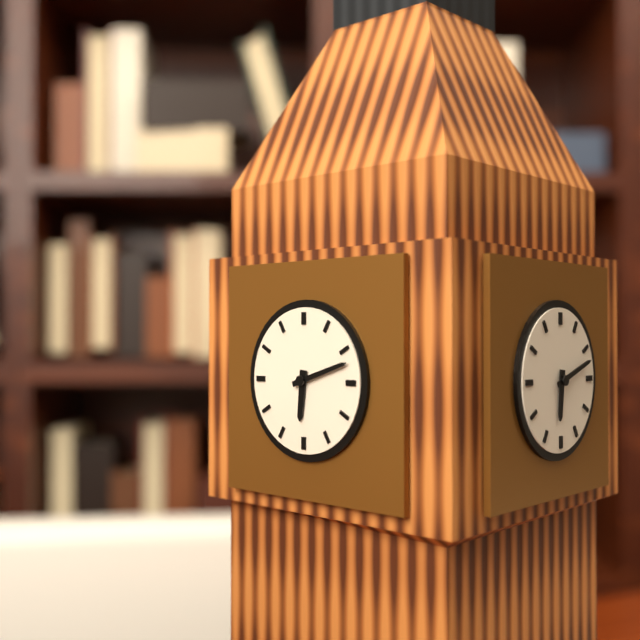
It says 6.12
